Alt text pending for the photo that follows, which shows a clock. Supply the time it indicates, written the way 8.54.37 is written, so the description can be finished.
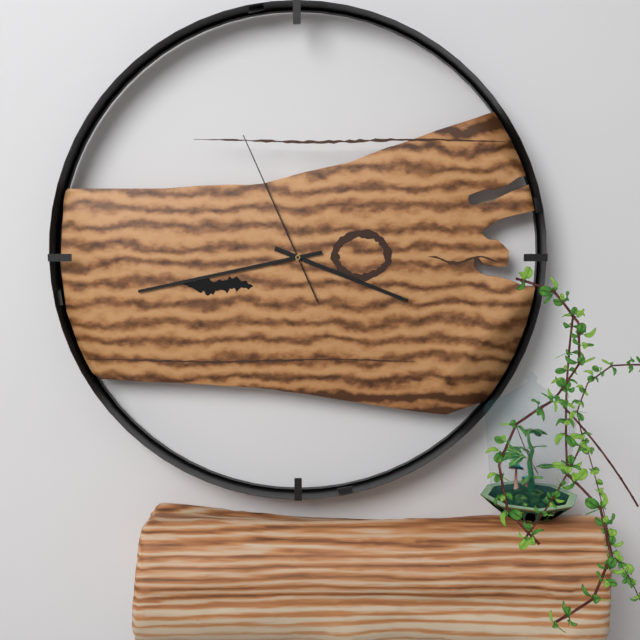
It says 3.43.56
